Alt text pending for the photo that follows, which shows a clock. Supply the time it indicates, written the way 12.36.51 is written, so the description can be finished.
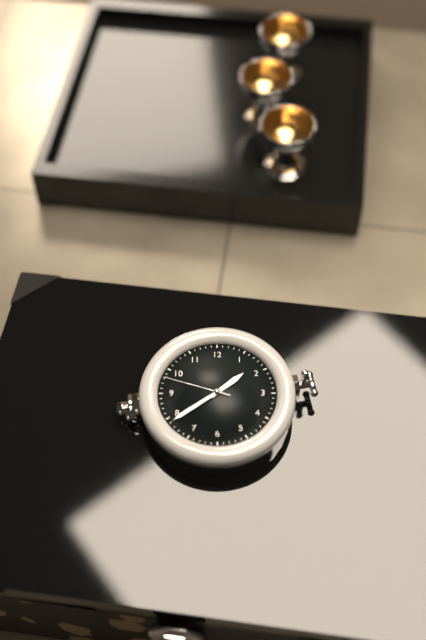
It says 1.39.48
